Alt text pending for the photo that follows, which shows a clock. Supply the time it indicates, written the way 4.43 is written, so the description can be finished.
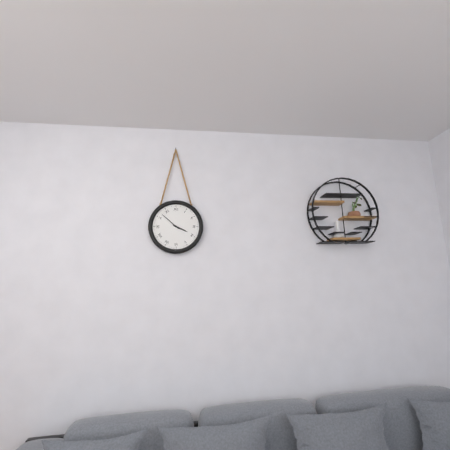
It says 3.52
